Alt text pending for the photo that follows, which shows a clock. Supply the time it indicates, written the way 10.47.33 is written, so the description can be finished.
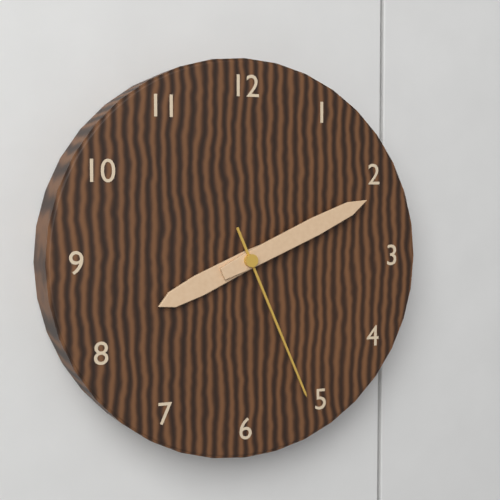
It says 8.11.26
